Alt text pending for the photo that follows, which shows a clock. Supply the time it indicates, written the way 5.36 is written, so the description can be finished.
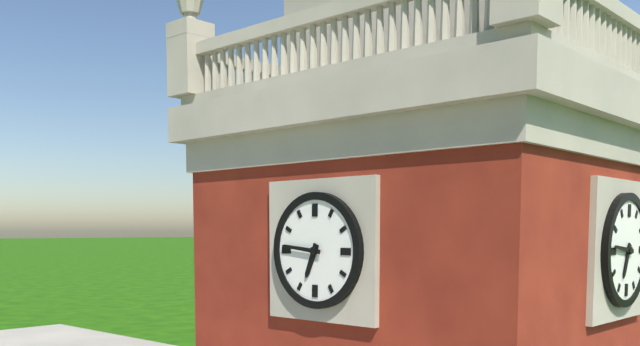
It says 6.46
